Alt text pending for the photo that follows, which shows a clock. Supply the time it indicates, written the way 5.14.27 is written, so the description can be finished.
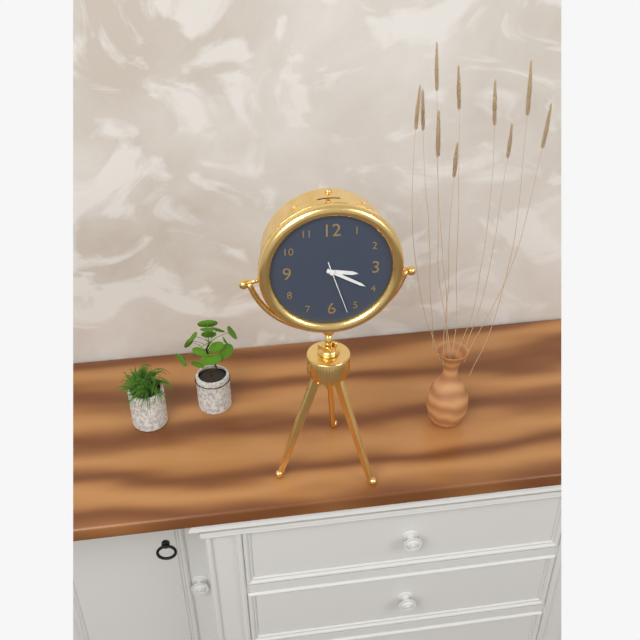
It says 3.20.27
